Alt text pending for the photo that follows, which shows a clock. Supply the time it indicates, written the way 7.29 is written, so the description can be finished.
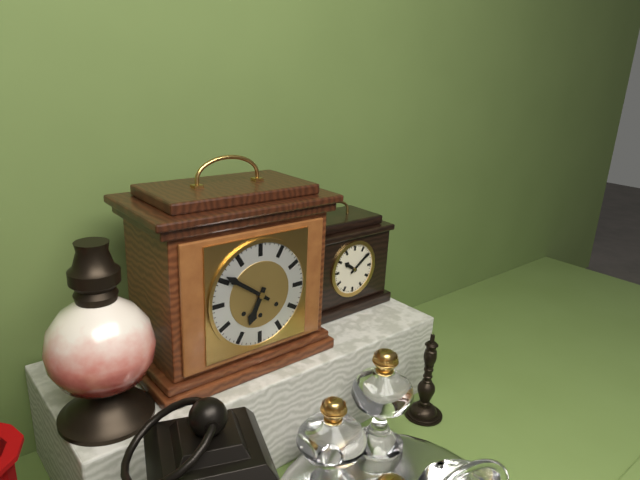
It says 6.51
